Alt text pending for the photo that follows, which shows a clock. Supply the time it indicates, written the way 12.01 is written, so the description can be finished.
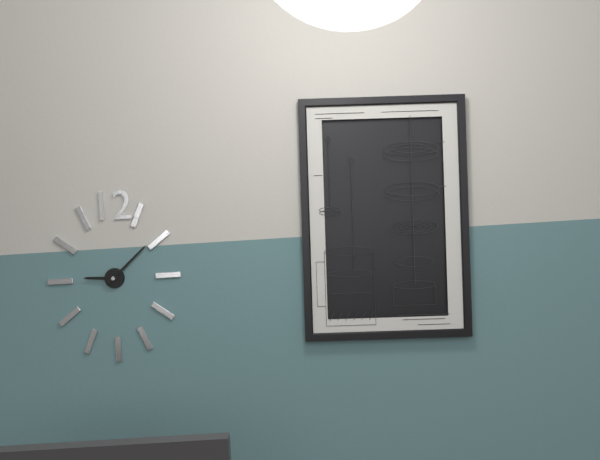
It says 9.08
